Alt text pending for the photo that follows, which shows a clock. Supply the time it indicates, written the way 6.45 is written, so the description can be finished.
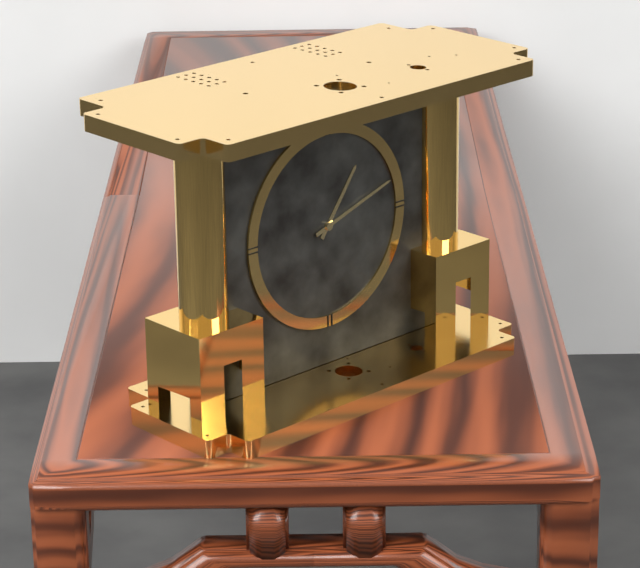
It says 1.12
